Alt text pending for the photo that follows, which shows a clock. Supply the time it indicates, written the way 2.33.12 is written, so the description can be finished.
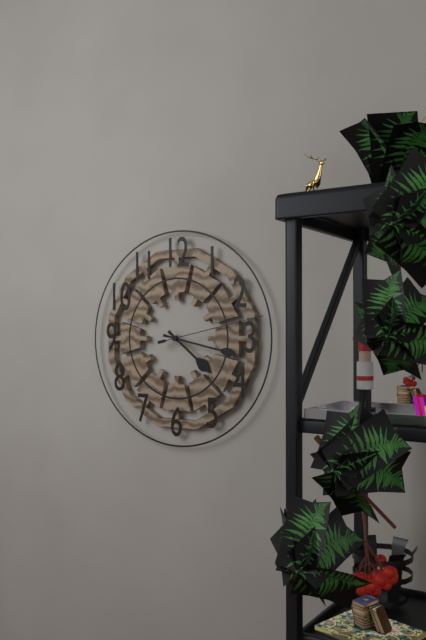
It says 4.17.13
